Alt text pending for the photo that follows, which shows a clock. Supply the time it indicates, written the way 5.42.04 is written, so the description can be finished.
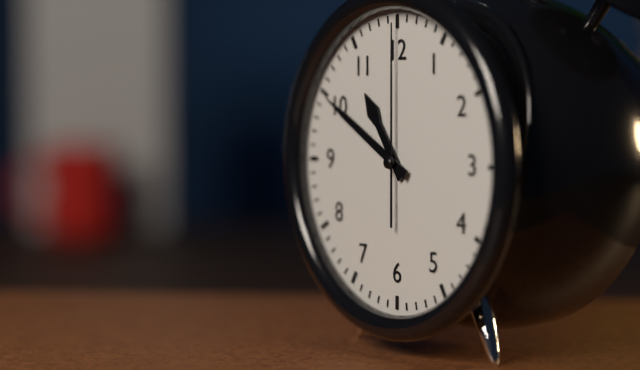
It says 10.50.00
